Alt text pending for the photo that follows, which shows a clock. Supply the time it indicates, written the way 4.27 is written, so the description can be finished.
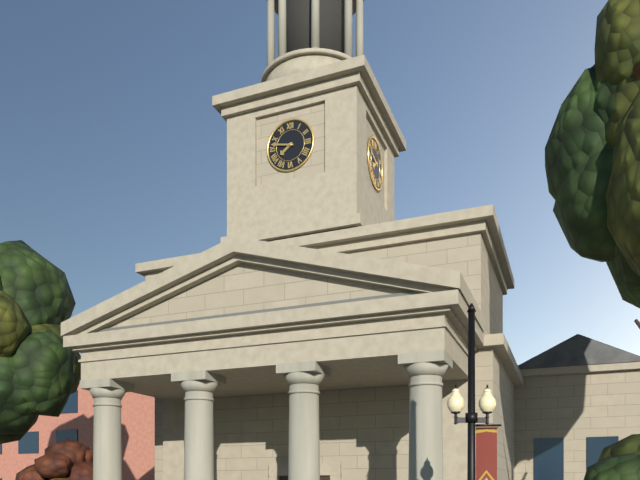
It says 7.47
